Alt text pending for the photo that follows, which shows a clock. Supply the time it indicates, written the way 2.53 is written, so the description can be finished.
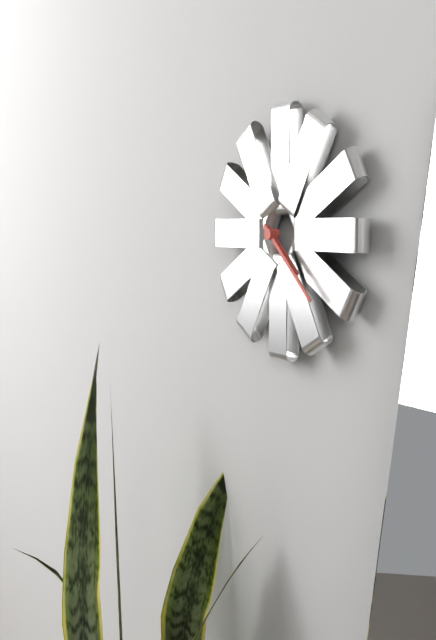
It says 4.22
